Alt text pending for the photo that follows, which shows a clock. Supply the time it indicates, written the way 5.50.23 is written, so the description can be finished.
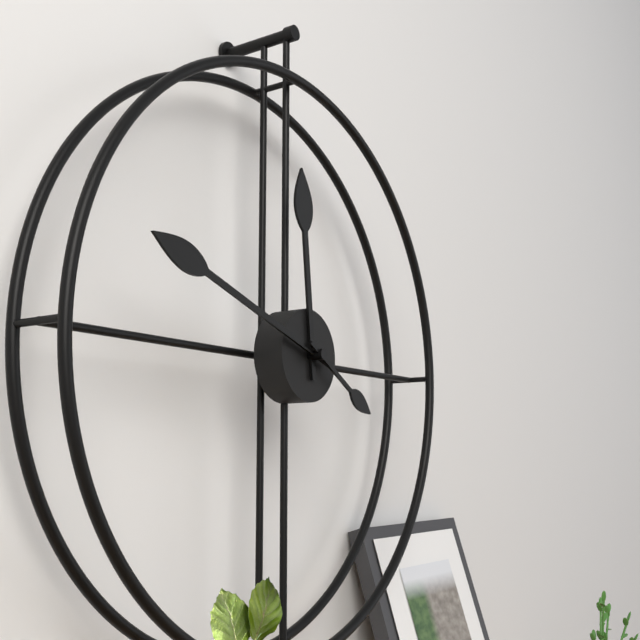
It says 11.48.20
